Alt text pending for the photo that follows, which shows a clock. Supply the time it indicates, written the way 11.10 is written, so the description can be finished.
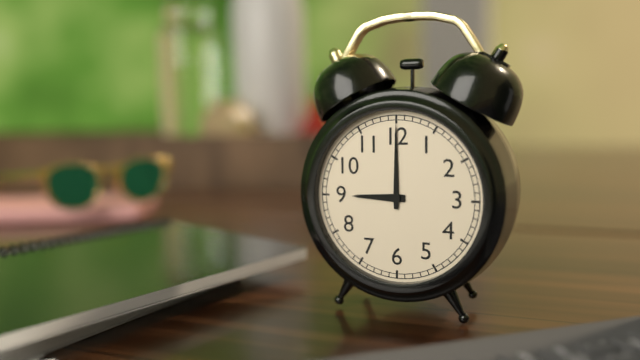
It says 9.00
